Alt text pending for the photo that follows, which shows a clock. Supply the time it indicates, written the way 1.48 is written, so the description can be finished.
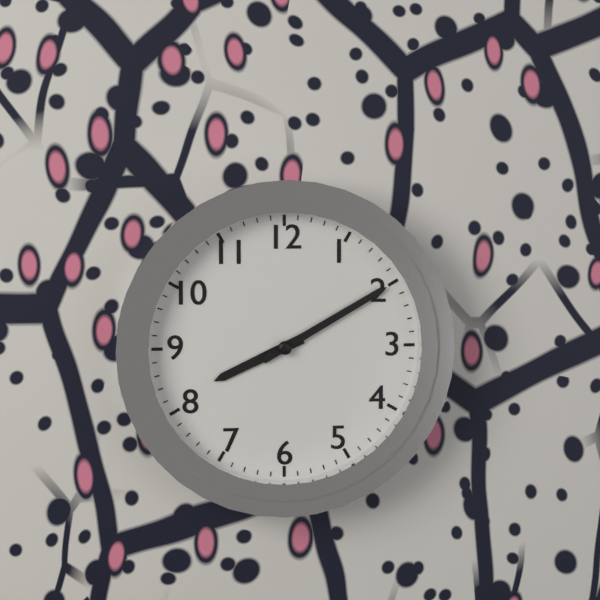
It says 8.10
